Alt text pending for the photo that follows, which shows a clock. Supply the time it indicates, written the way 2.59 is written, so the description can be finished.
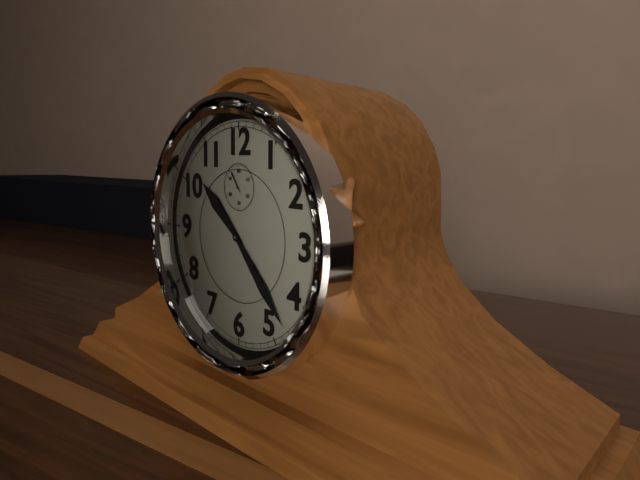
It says 10.23
